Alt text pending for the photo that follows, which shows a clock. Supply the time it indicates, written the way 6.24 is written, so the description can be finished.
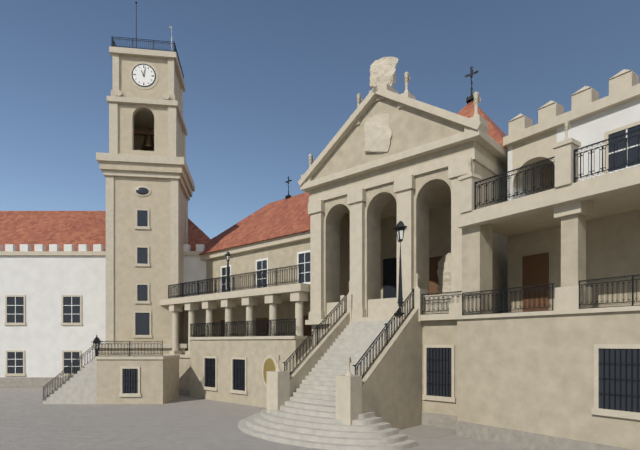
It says 11.02
